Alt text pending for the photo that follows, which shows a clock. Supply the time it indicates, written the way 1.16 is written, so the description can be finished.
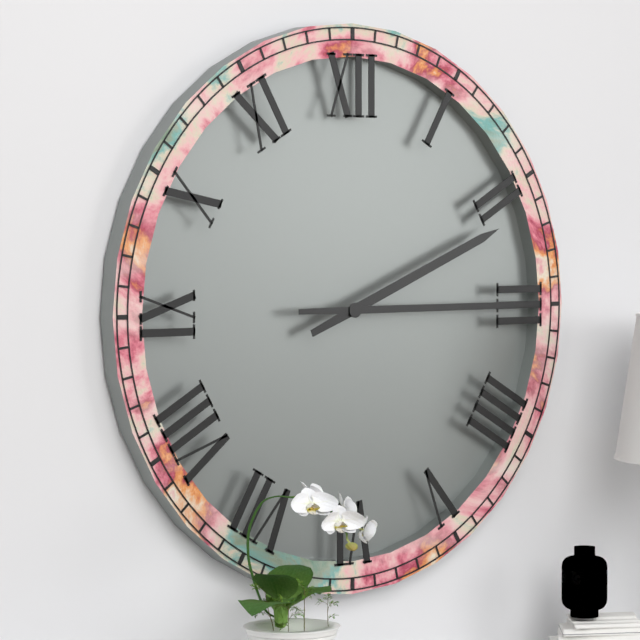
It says 2.15
